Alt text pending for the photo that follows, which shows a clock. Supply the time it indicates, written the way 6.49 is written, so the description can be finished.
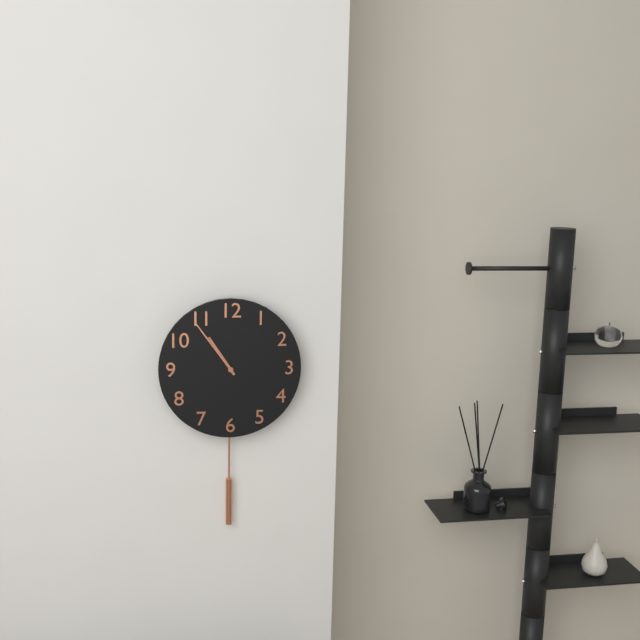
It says 10.54
